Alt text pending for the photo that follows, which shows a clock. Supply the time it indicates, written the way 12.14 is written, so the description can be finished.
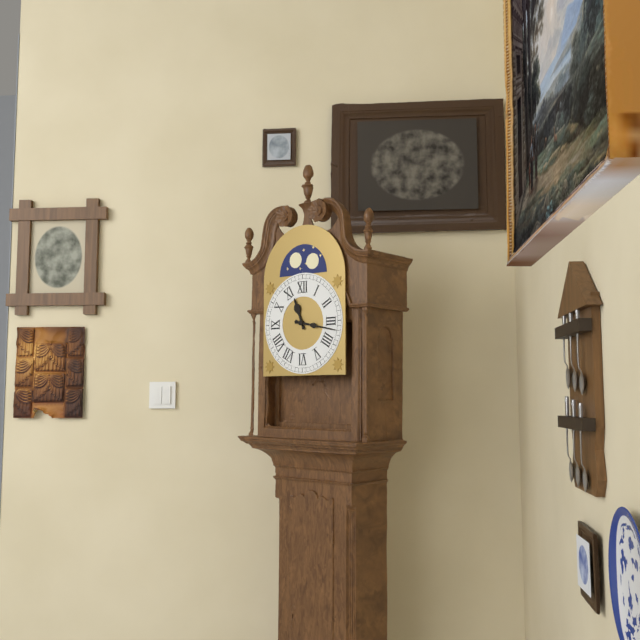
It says 11.17
